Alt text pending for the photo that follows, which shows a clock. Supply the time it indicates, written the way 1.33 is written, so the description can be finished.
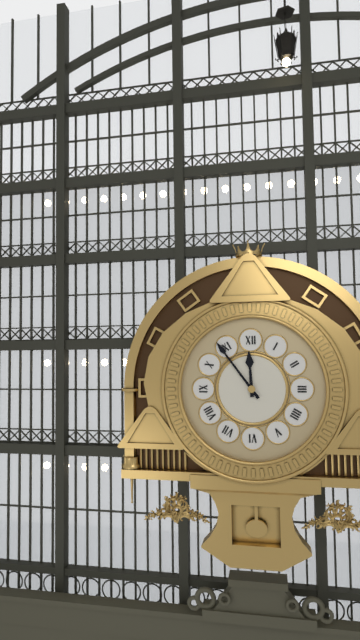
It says 11.54
